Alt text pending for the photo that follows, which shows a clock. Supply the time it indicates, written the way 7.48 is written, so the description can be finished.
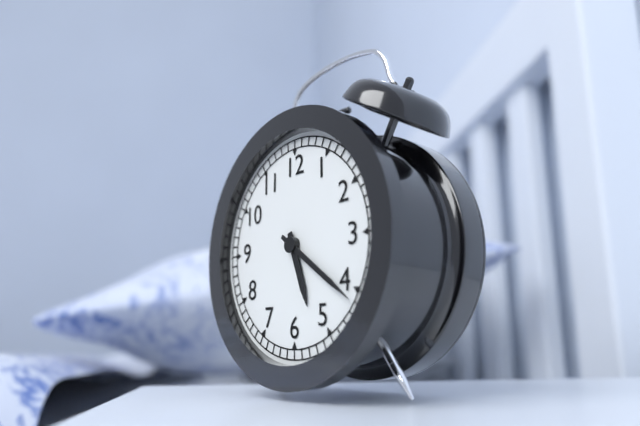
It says 5.21
